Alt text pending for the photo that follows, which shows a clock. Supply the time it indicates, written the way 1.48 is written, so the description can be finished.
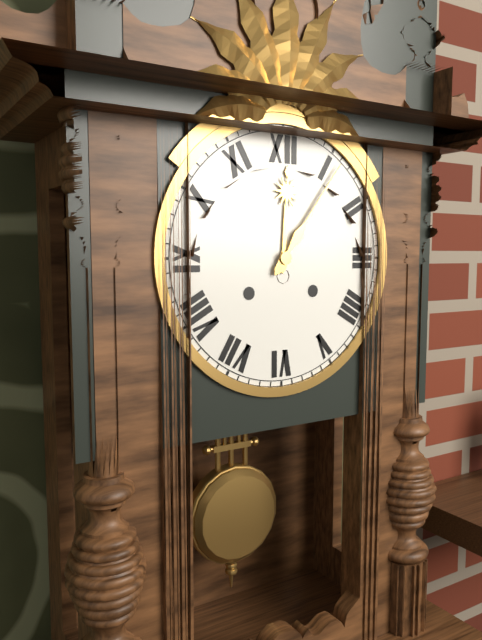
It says 12.06
